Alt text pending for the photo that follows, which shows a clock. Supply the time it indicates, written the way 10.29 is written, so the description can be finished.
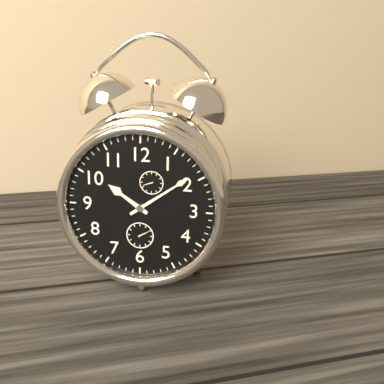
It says 10.09
